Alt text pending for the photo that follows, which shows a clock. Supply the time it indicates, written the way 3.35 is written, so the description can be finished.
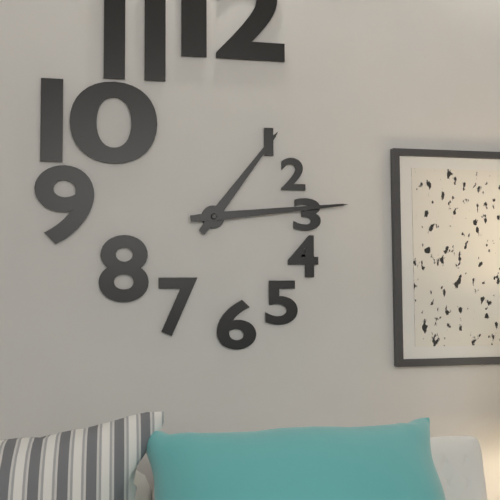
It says 1.14
